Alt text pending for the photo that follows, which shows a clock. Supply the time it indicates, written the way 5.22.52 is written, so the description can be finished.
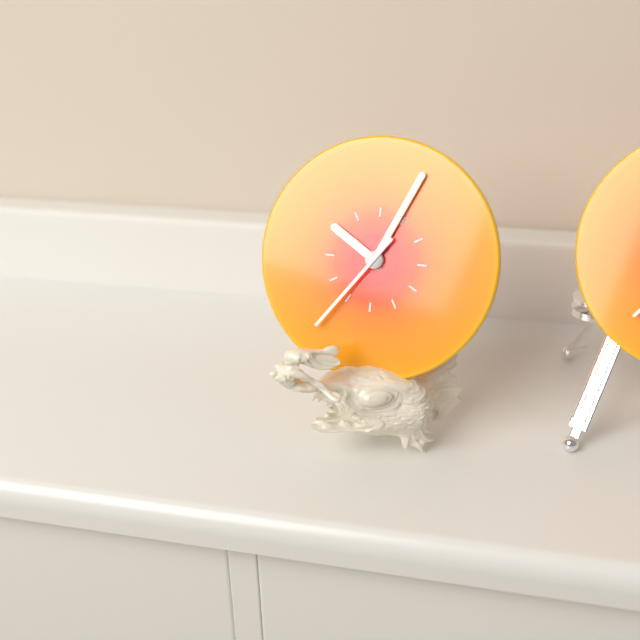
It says 10.04.36
